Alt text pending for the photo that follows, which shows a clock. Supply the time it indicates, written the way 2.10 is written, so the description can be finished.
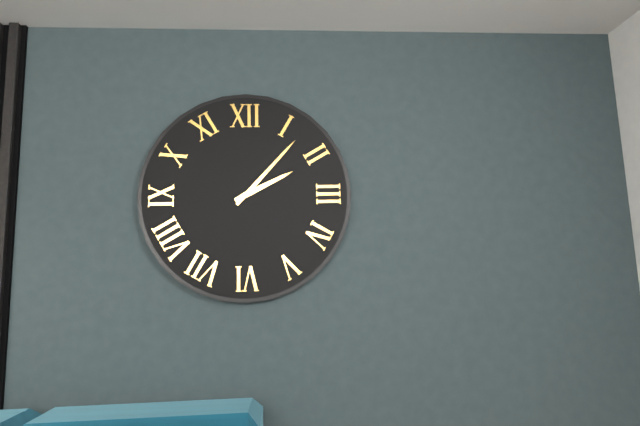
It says 2.07
